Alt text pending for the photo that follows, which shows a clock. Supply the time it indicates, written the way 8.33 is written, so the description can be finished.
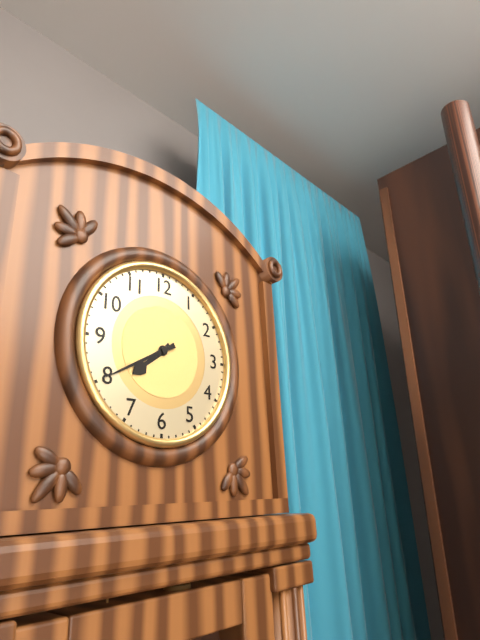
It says 7.40
